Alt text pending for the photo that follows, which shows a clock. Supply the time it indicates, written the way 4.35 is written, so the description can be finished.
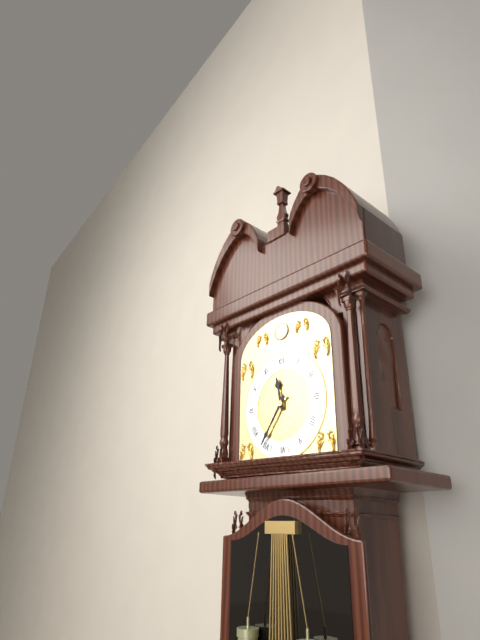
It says 11.36
